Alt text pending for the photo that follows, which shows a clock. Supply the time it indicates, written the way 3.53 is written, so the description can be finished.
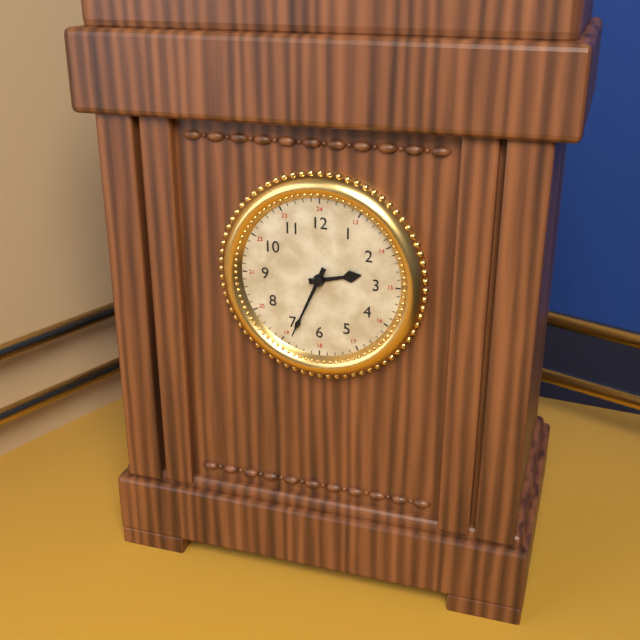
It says 2.34
